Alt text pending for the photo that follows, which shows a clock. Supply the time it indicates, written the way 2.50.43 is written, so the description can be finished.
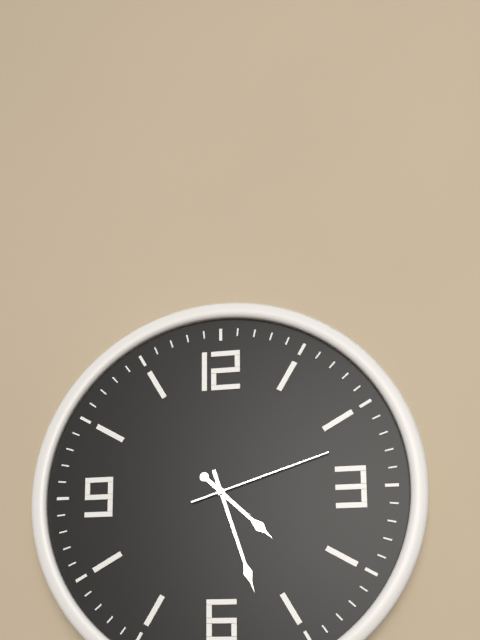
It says 4.27.12
